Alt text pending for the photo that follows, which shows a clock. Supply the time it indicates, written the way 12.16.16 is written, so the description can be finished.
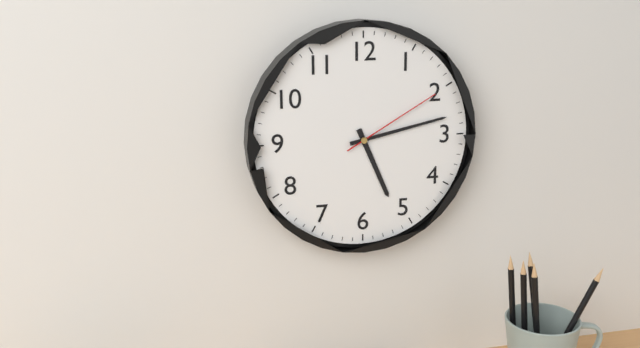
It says 5.13.10
